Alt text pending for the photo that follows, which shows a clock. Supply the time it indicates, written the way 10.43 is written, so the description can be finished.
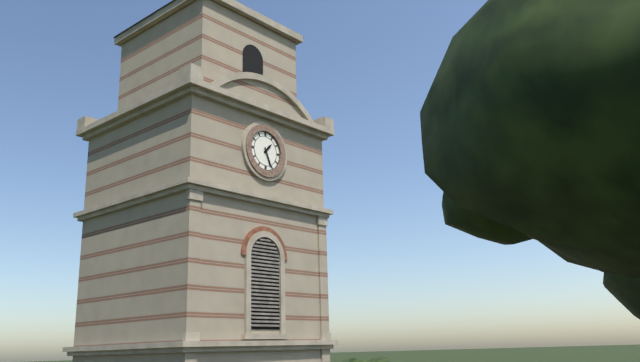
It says 1.26
